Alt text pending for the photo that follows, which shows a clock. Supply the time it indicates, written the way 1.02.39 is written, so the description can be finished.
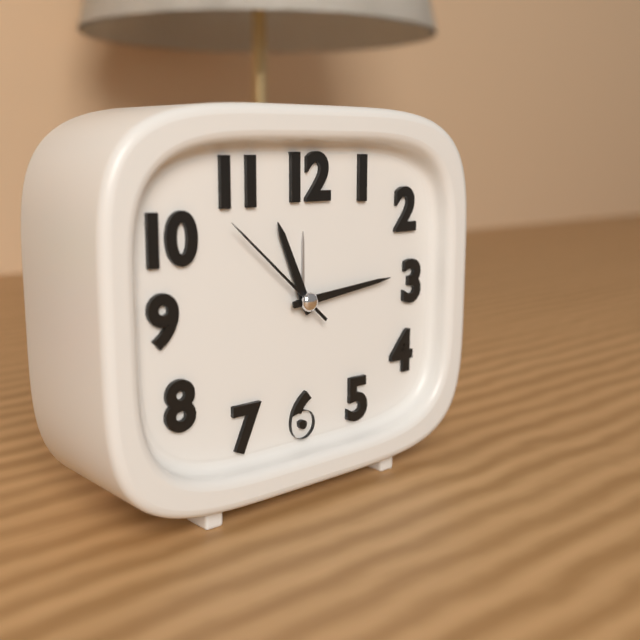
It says 11.14.52
